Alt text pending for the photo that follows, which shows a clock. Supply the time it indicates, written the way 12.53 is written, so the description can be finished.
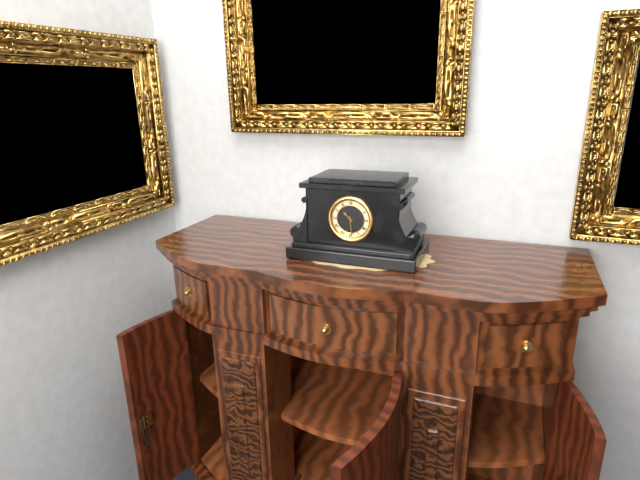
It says 10.29
